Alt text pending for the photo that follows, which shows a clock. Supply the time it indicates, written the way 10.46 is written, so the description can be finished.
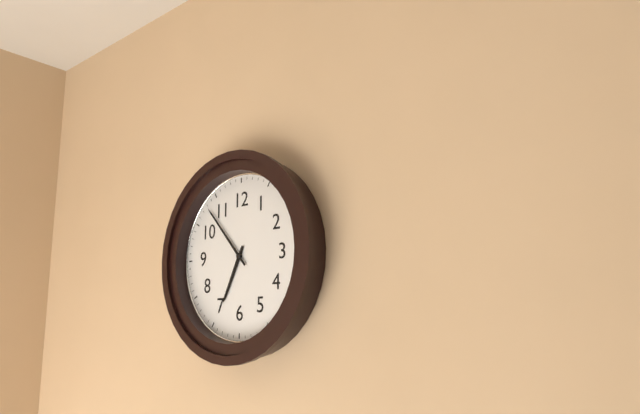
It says 6.53
